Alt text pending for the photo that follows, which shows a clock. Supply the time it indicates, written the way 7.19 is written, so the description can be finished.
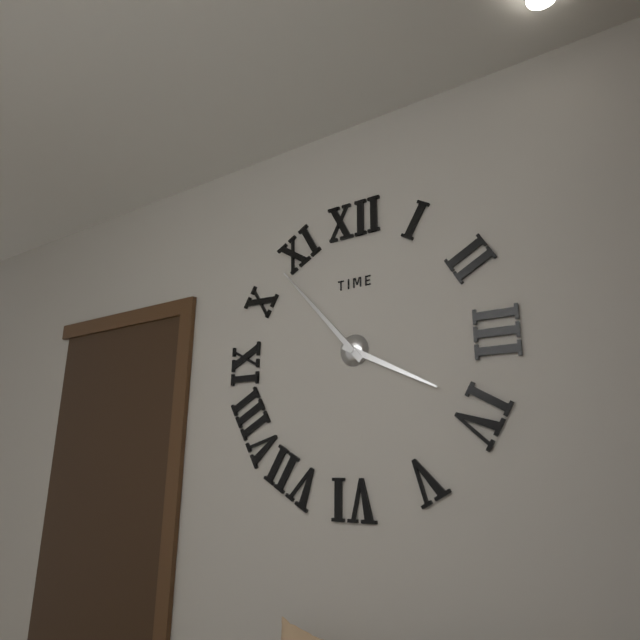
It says 3.53
